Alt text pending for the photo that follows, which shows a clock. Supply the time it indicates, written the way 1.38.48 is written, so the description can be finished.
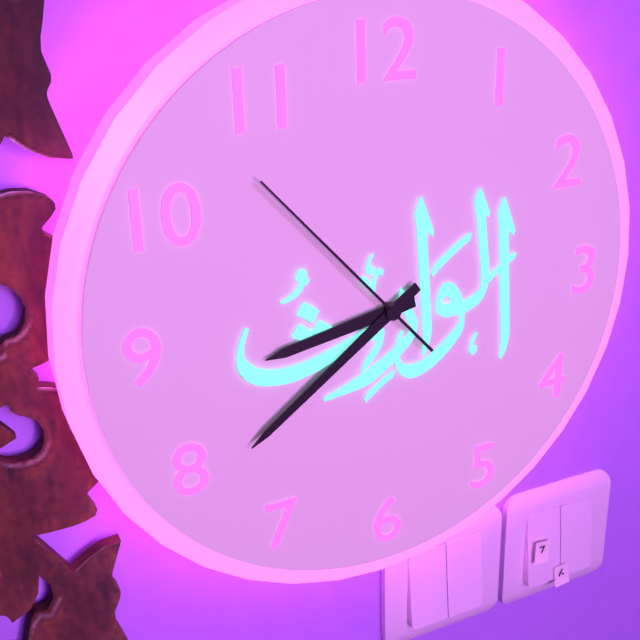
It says 8.39.53
